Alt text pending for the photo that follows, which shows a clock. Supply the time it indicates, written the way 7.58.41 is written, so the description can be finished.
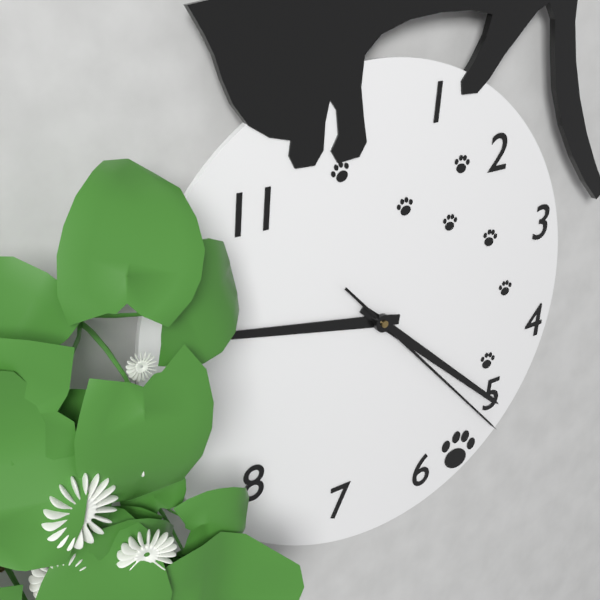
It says 9.22.23
